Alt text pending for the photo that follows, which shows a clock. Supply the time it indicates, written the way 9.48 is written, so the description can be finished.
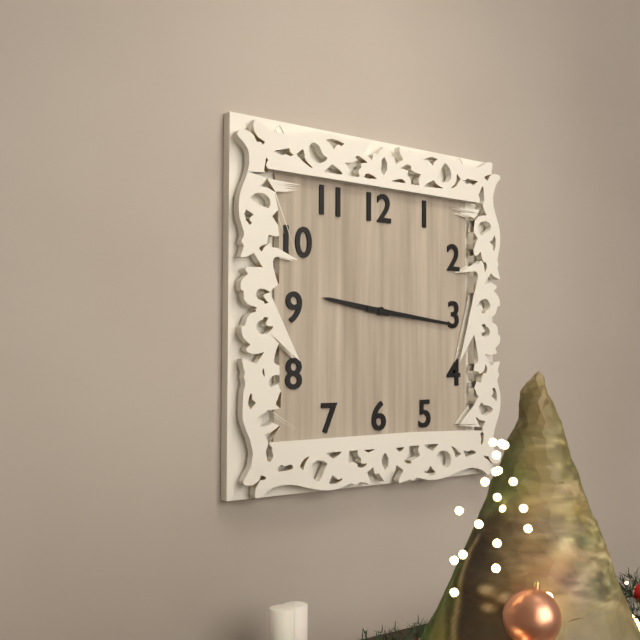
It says 9.16
